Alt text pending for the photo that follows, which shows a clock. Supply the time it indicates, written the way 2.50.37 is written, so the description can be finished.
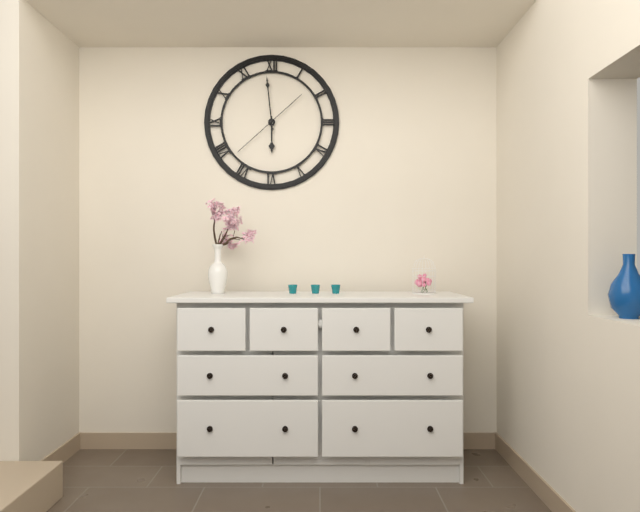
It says 5.59.38
